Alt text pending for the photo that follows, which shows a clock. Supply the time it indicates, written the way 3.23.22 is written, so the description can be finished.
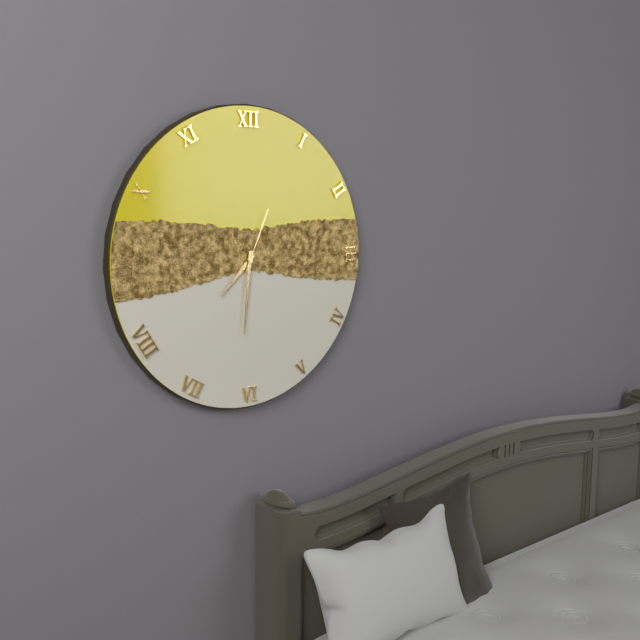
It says 7.31.04
